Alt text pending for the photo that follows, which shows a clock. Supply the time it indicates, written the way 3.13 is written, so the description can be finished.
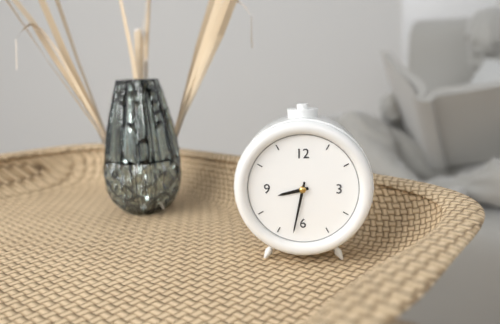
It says 8.32
